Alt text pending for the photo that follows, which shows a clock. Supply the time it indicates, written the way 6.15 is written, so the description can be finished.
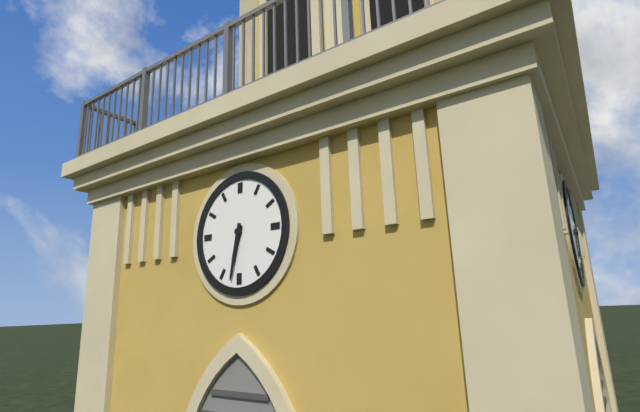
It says 6.32
